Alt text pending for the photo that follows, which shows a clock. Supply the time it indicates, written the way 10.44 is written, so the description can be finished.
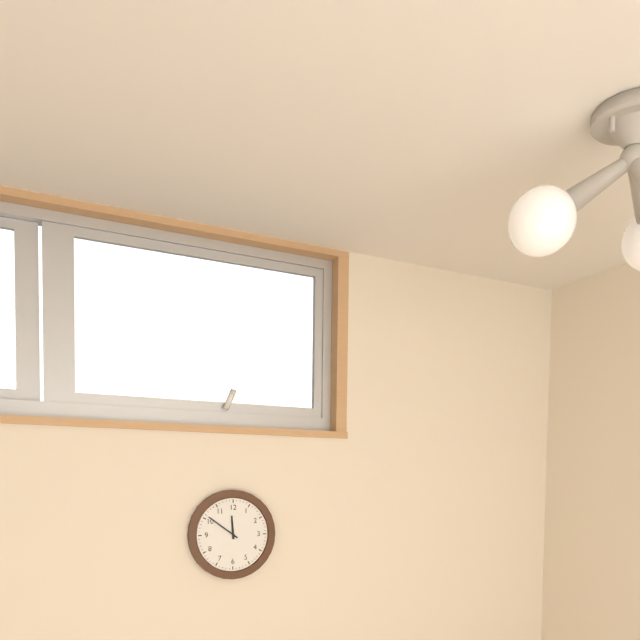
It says 11.51
